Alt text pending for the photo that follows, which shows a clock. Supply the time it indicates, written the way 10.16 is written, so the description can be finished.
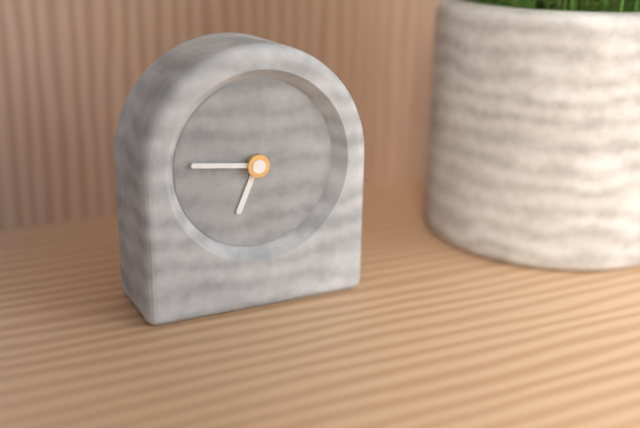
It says 6.46
